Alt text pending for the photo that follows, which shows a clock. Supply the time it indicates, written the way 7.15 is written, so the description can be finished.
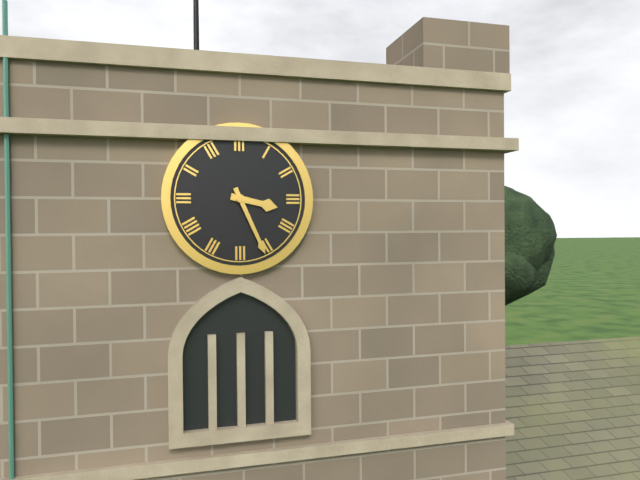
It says 3.26
